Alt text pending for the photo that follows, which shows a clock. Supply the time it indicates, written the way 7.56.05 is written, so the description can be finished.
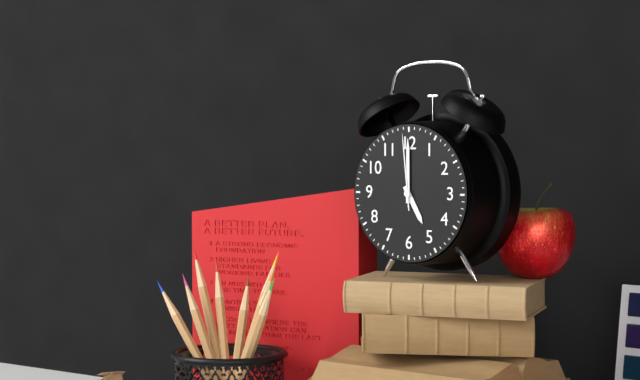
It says 5.00.59
